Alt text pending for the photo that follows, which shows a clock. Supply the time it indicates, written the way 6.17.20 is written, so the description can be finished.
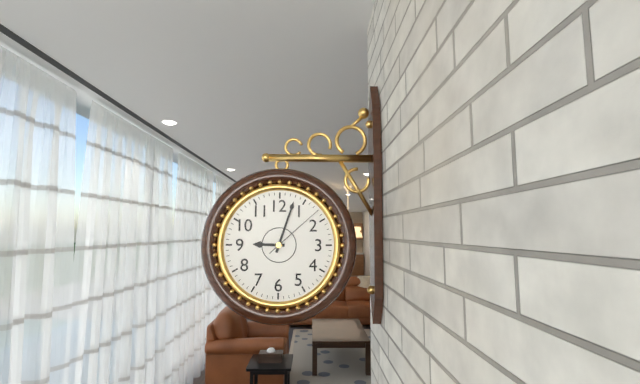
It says 9.03.08
